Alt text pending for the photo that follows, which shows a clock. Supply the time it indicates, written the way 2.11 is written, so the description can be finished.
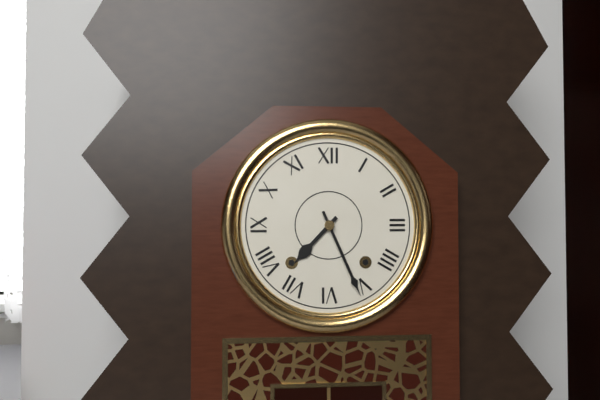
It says 7.26
